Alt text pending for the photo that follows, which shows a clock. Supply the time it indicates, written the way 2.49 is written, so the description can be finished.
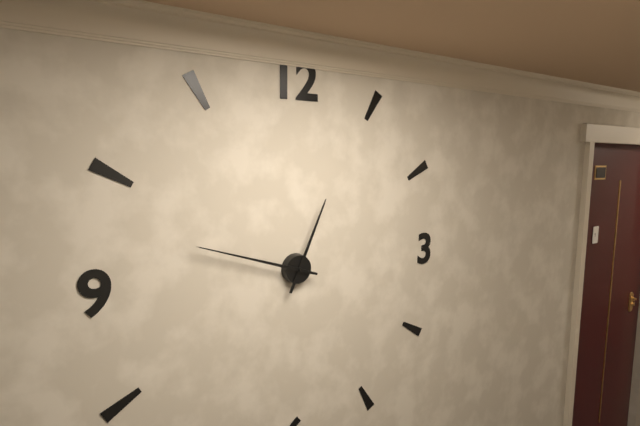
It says 12.48
